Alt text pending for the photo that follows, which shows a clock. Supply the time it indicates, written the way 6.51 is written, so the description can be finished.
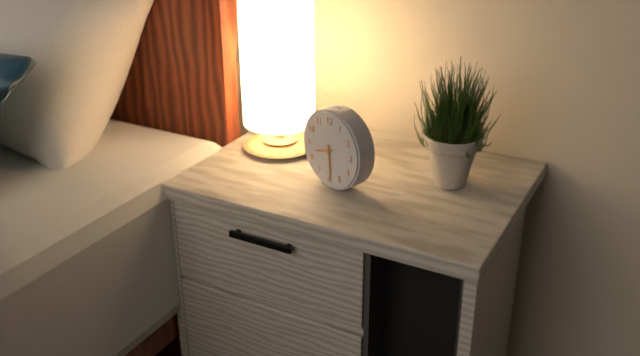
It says 8.29
